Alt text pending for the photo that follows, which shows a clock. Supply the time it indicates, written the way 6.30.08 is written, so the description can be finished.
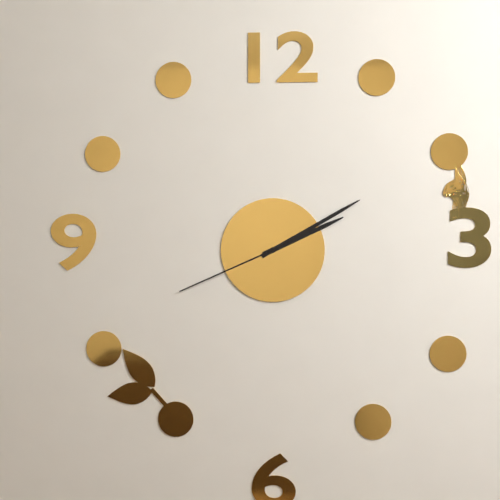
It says 2.10.41
